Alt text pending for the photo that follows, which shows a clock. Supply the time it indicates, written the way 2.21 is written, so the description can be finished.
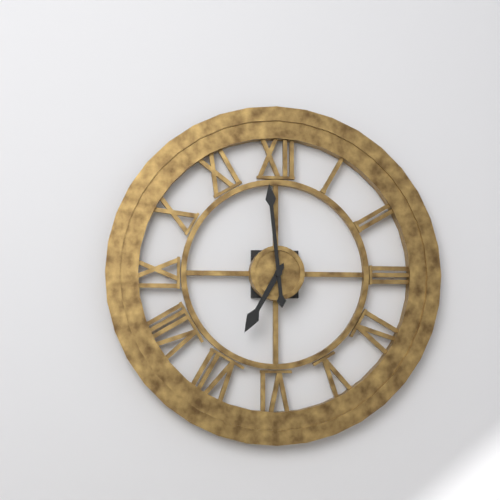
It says 6.59
